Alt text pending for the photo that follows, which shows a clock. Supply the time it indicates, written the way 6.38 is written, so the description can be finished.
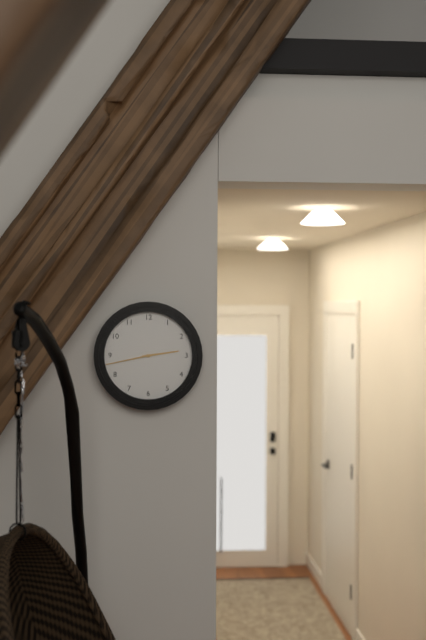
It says 2.43
